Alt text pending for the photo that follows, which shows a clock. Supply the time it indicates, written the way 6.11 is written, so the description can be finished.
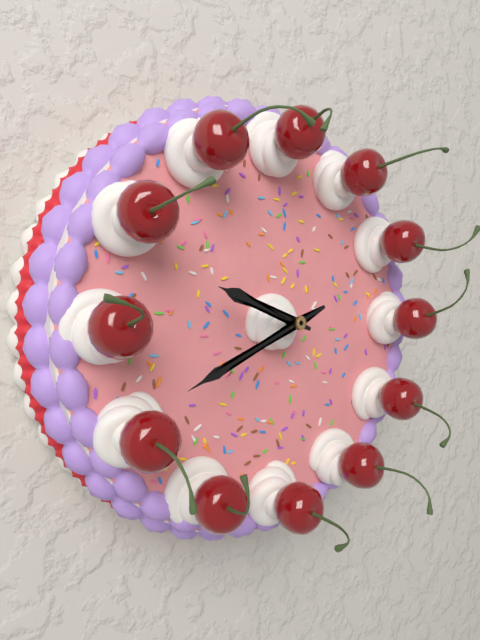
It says 9.41
